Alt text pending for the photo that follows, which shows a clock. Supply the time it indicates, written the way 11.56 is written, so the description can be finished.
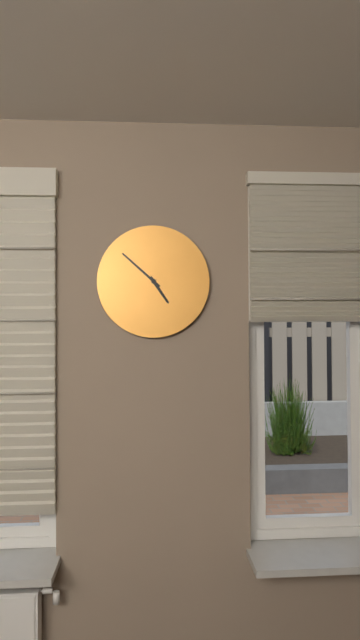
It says 4.52
